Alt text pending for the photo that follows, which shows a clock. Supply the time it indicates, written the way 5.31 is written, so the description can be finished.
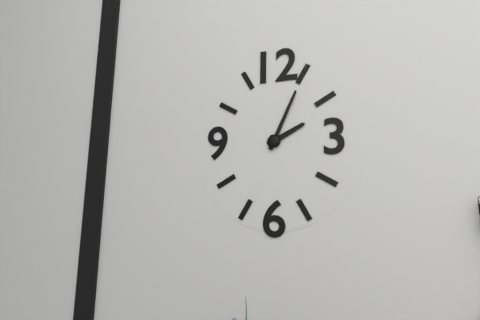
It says 2.04
